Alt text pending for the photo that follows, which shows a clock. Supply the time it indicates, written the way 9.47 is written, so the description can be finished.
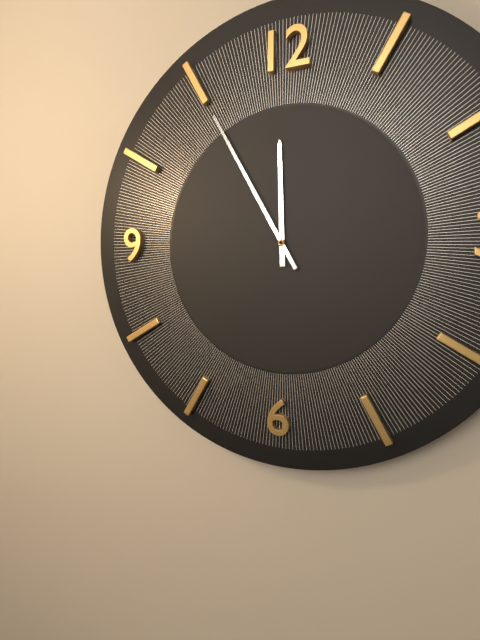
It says 11.55
